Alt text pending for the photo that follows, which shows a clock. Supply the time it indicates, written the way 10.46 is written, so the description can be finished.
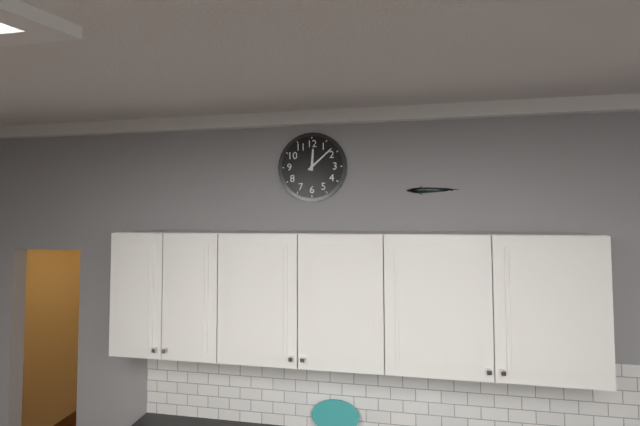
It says 12.08
